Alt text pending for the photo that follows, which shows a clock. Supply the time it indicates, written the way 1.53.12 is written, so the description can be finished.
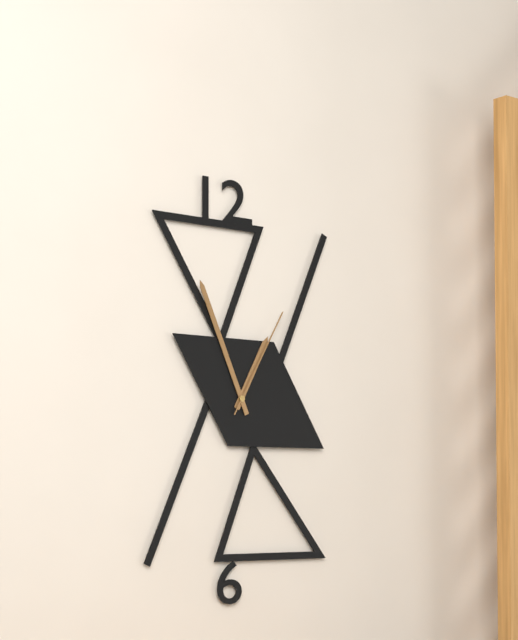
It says 12.56.05
